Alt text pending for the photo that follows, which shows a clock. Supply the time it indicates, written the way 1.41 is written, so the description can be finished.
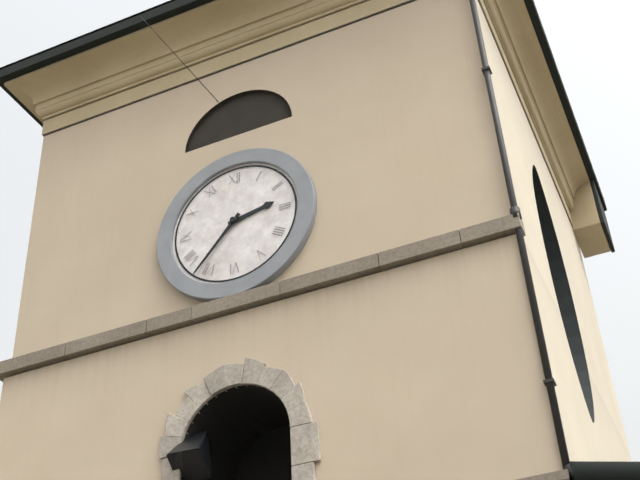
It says 2.37
